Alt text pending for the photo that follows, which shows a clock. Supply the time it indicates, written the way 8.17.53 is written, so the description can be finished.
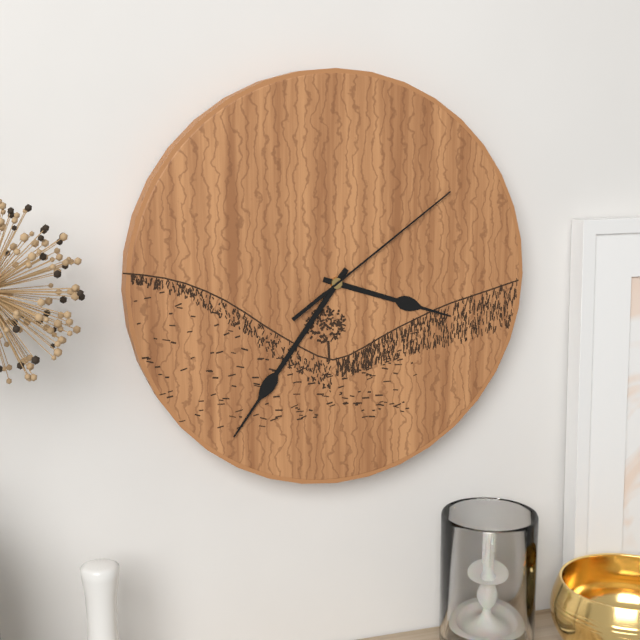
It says 3.36.09
